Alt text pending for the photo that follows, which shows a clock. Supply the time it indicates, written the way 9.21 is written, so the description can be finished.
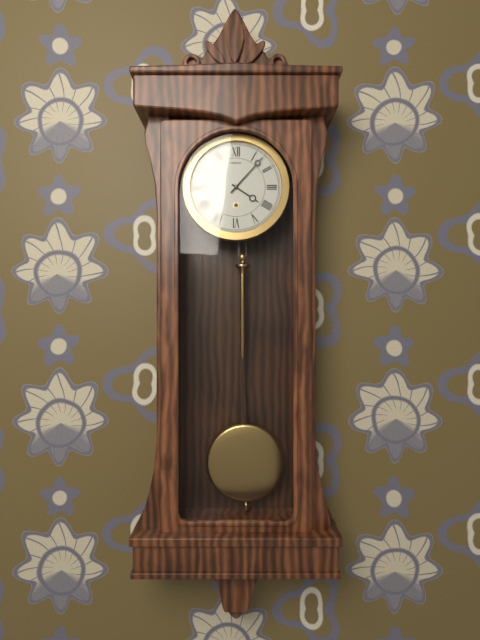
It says 4.07
